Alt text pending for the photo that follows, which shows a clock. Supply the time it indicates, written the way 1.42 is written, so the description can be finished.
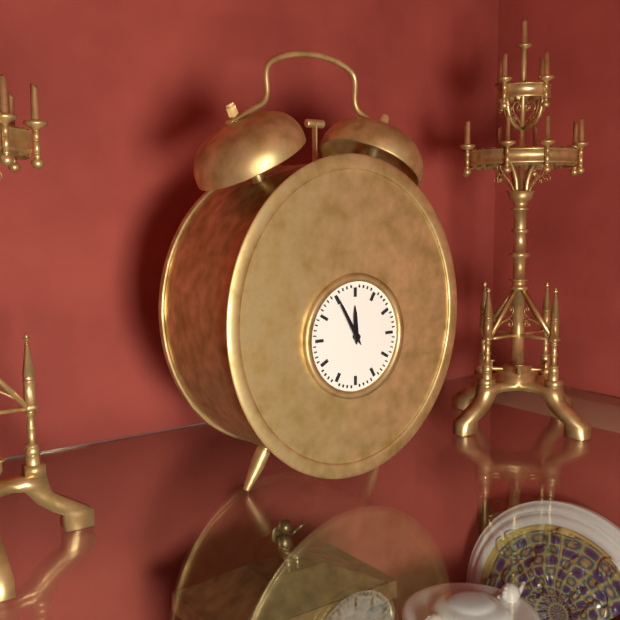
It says 11.55
